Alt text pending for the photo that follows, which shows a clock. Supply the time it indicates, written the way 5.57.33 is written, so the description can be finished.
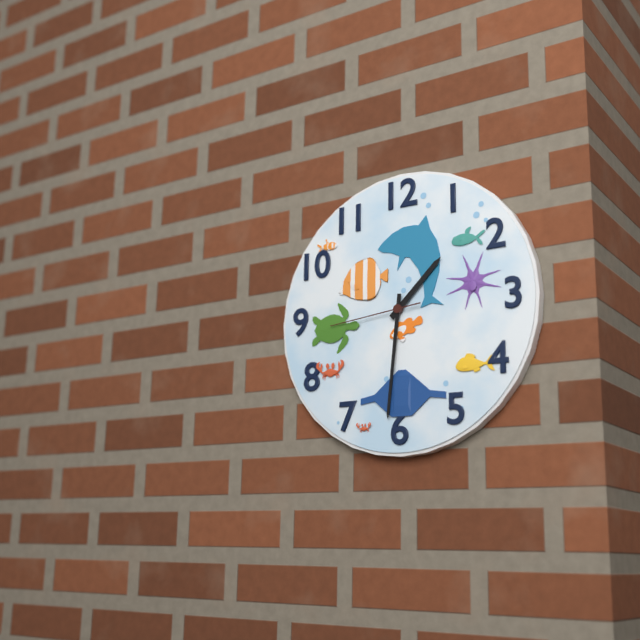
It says 1.31.44
